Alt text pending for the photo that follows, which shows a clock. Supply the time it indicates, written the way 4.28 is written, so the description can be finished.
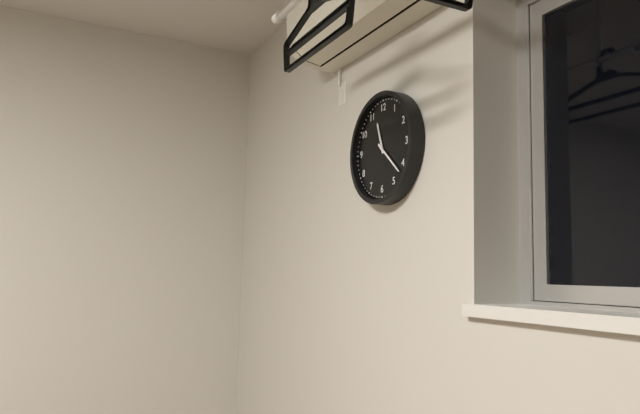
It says 11.22
